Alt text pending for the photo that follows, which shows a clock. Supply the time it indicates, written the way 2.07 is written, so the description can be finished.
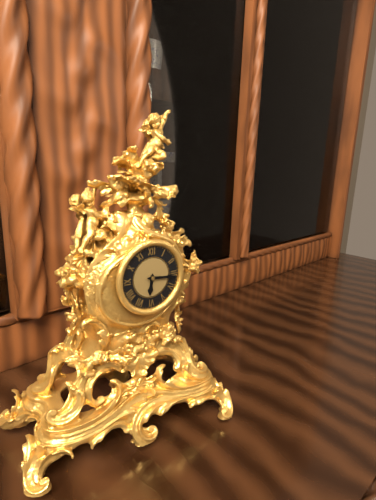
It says 6.16
